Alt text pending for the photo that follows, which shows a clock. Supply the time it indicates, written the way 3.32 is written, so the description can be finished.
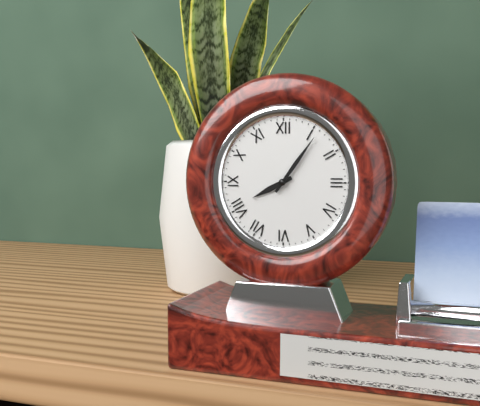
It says 8.06
